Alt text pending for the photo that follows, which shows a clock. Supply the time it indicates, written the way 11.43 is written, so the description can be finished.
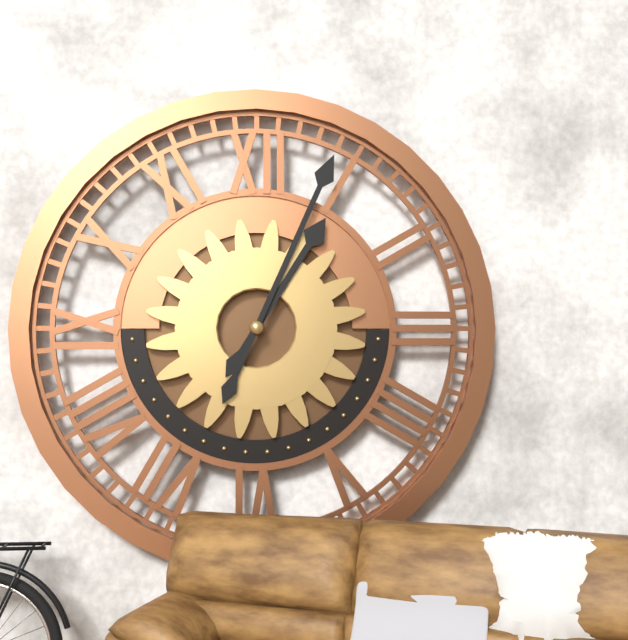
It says 1.04
